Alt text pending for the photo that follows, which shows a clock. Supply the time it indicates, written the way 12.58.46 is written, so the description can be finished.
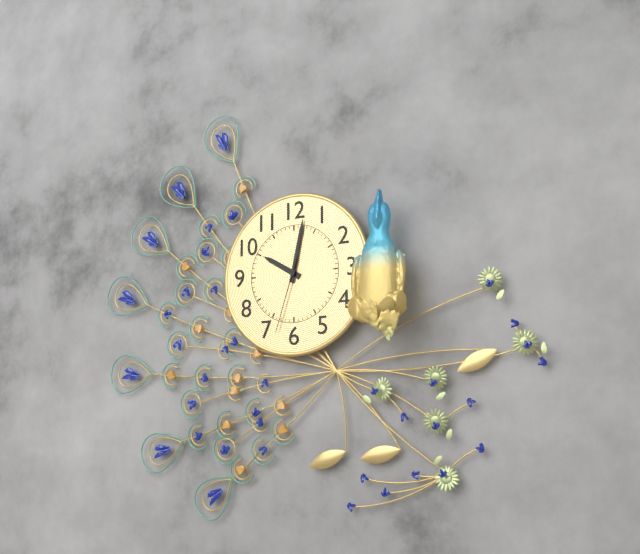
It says 10.02.33
